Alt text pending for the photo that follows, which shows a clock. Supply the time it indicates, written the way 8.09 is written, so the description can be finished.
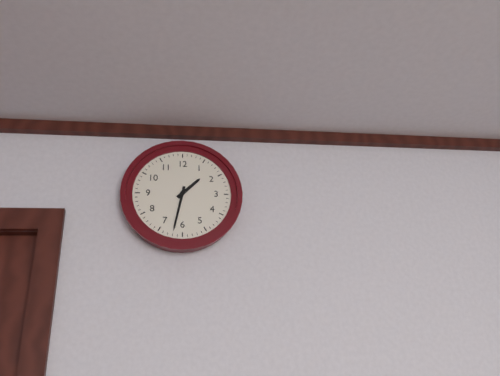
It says 1.32
